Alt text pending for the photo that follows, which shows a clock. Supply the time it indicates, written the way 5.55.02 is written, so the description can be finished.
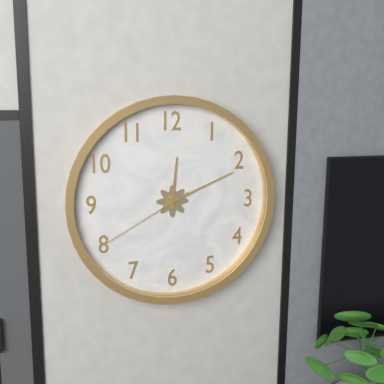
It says 12.11.40
